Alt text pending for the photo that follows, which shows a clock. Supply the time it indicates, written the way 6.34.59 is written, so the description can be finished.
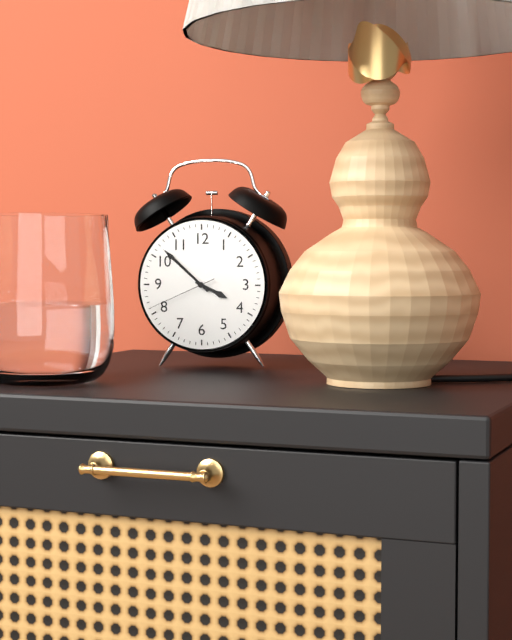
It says 3.52.41
